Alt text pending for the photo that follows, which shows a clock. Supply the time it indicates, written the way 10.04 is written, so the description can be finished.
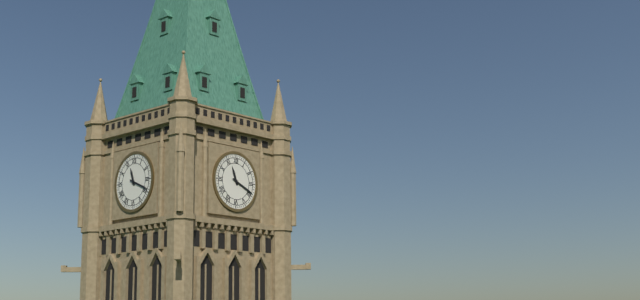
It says 11.19
